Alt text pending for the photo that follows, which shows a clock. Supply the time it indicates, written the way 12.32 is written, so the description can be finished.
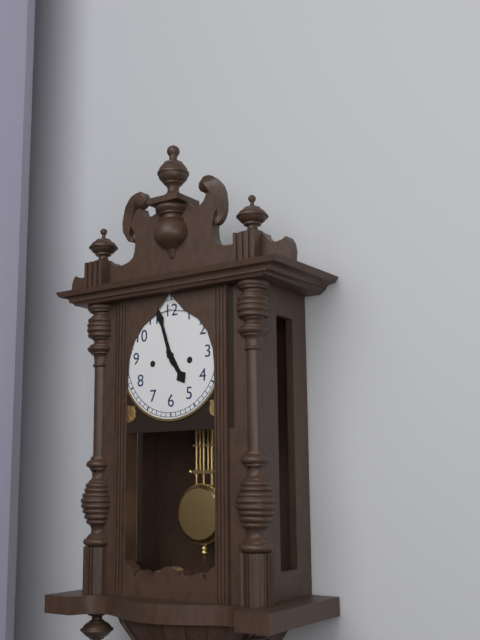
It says 4.57
